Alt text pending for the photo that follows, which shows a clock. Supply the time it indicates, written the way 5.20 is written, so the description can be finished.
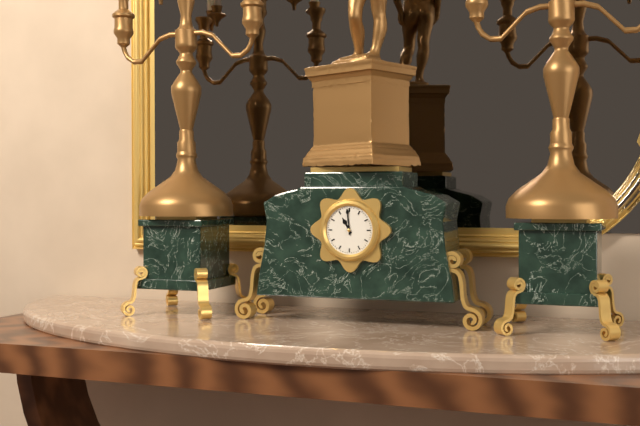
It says 10.59
